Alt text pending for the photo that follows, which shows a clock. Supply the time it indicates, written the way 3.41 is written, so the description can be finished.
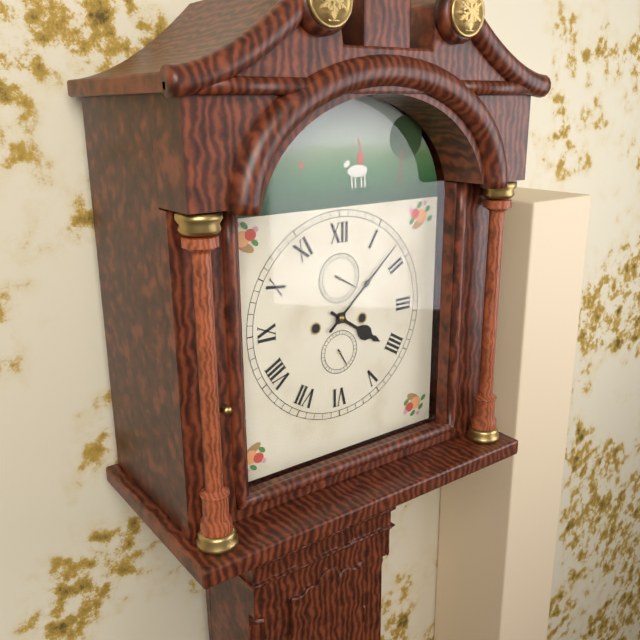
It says 4.08
